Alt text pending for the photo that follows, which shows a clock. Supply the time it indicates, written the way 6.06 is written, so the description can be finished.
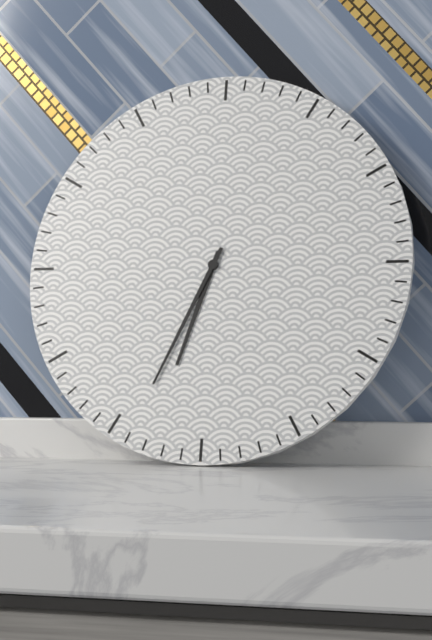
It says 6.34
